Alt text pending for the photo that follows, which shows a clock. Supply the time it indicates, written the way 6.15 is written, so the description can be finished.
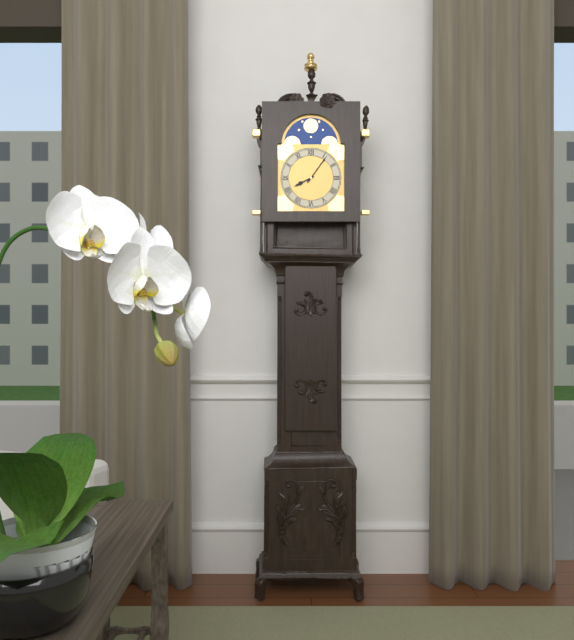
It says 8.06
